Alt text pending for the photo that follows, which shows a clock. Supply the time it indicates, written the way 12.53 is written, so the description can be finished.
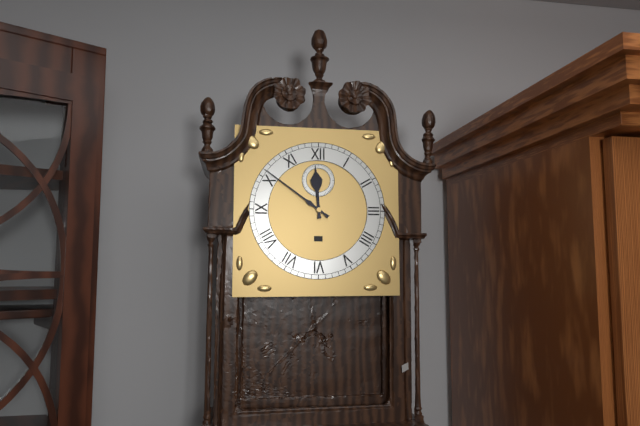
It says 11.51
